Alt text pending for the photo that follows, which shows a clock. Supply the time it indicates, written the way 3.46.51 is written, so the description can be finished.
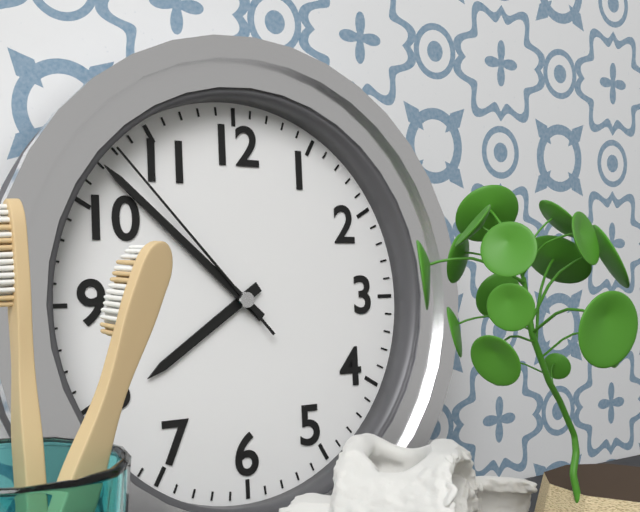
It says 7.52.53
